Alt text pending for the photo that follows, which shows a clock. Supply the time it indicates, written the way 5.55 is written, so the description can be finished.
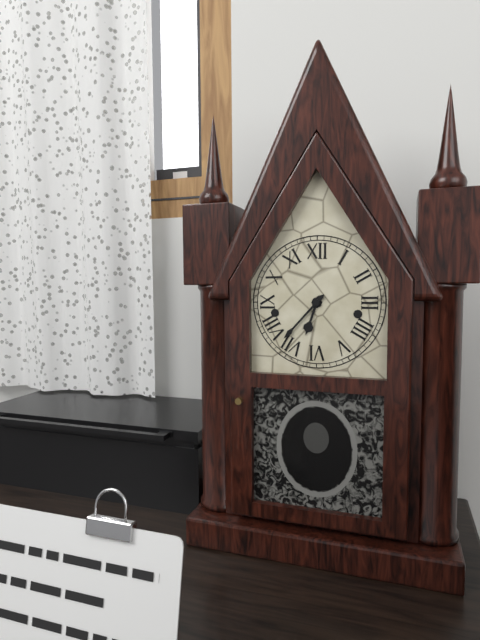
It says 6.37
